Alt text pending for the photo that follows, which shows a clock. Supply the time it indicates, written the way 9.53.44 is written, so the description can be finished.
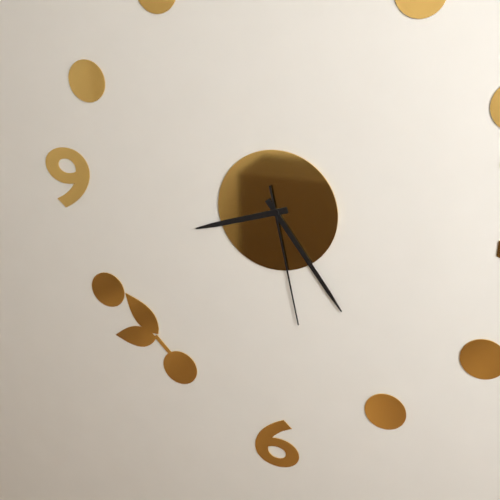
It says 8.24.28
